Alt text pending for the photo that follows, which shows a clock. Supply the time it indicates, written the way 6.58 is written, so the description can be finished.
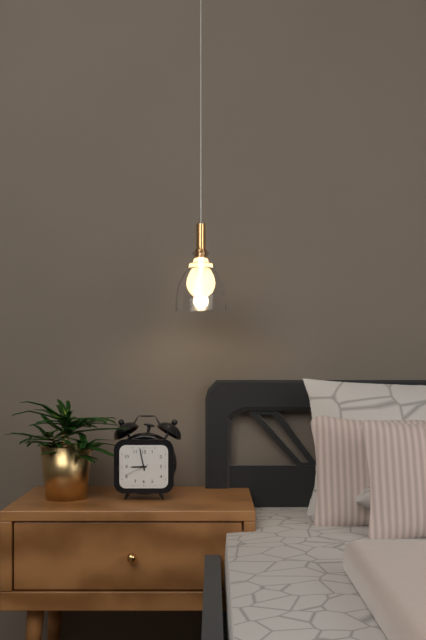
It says 8.58
